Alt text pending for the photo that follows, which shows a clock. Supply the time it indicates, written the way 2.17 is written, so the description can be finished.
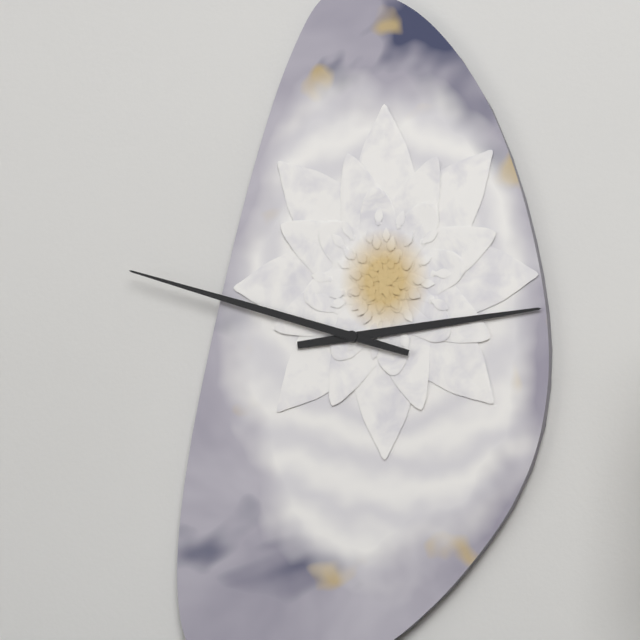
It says 2.48
